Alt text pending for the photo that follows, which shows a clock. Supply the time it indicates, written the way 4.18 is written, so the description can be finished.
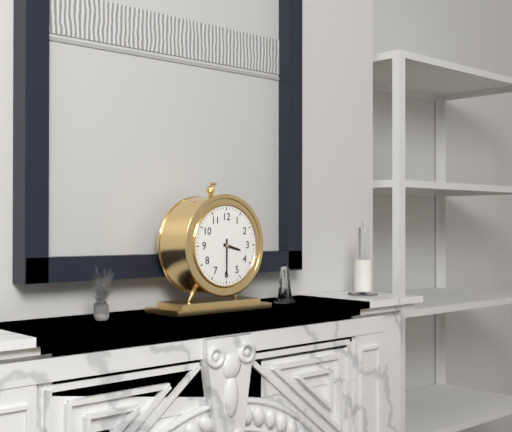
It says 3.30
